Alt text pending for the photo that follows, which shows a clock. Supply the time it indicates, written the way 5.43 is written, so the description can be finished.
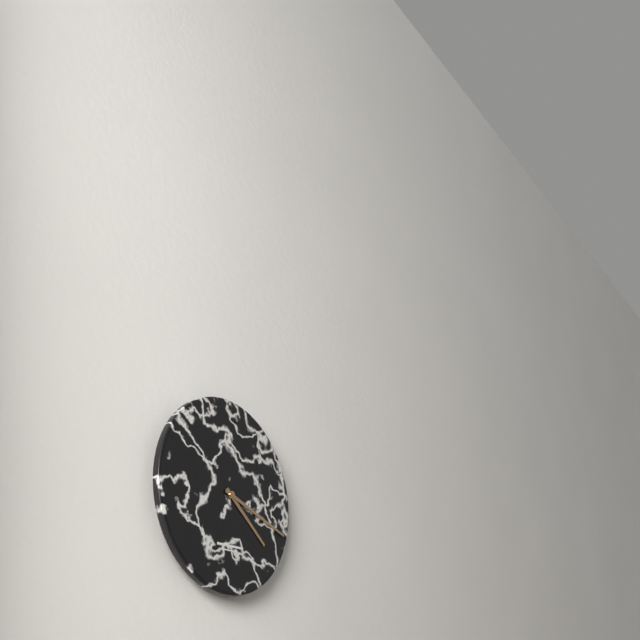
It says 4.18
